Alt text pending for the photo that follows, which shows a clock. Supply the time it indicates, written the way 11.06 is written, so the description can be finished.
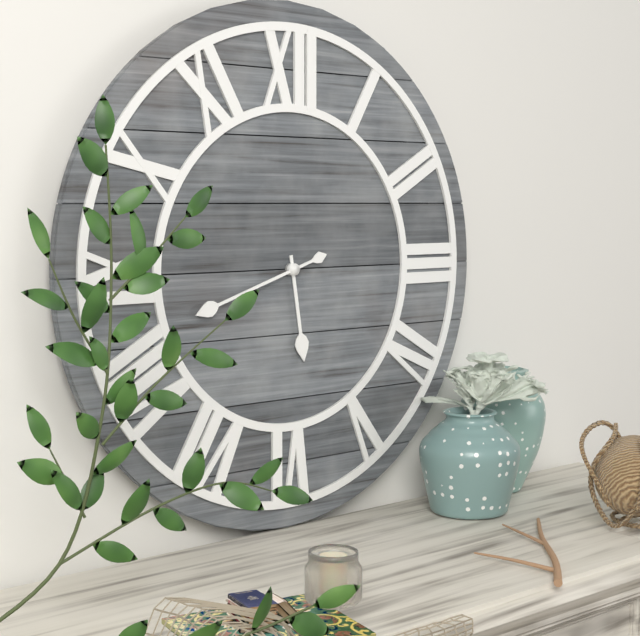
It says 5.42
